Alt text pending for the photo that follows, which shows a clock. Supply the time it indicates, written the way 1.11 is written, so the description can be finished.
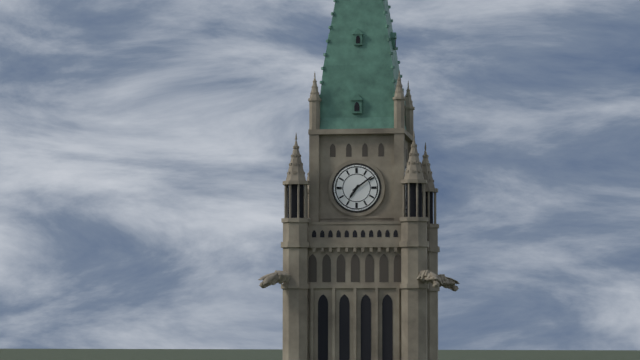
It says 7.09
